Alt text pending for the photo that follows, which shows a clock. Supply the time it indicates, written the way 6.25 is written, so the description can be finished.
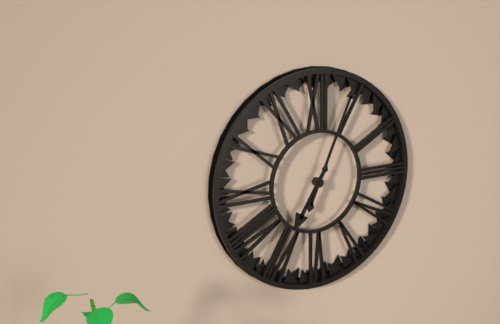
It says 7.04
